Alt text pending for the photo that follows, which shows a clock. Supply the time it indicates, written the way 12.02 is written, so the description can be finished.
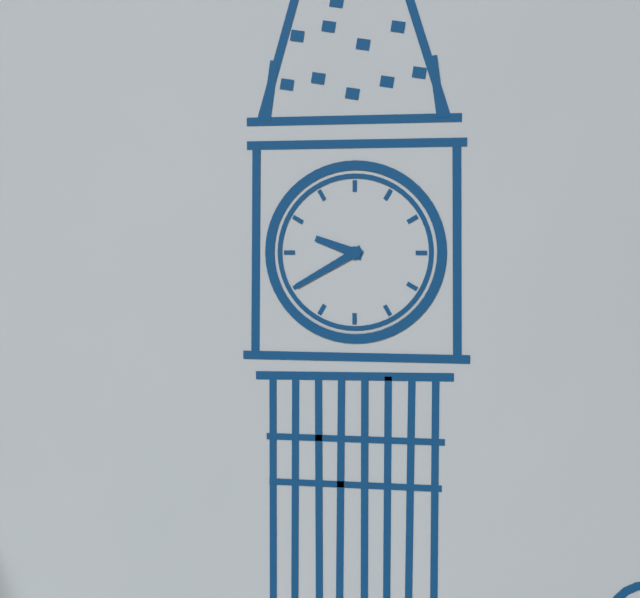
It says 9.40
